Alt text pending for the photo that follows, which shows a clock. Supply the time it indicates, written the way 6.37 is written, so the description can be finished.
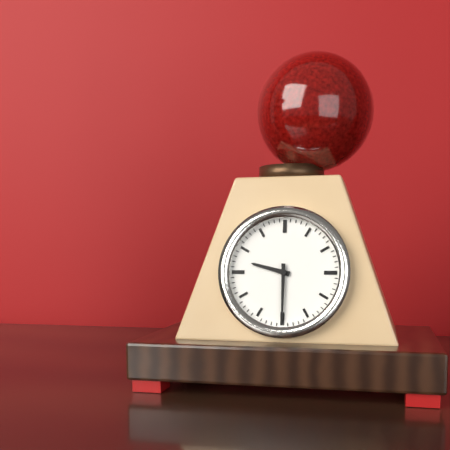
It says 9.30
